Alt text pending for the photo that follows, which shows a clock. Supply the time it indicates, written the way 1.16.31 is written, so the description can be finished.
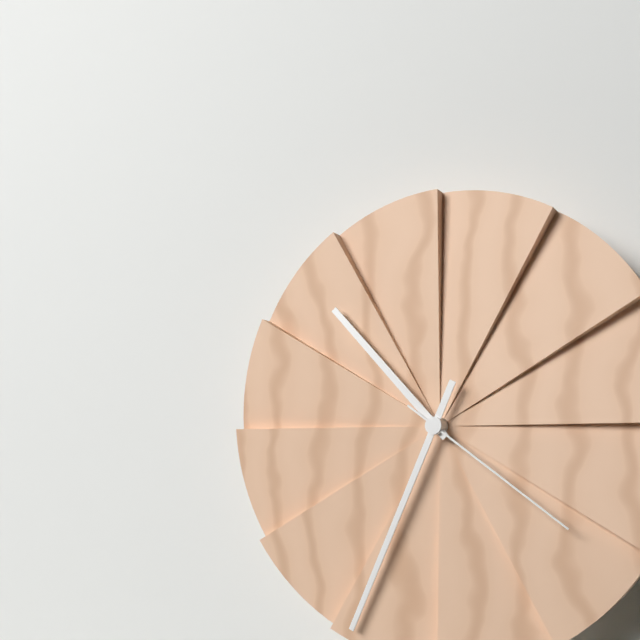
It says 10.34.21
